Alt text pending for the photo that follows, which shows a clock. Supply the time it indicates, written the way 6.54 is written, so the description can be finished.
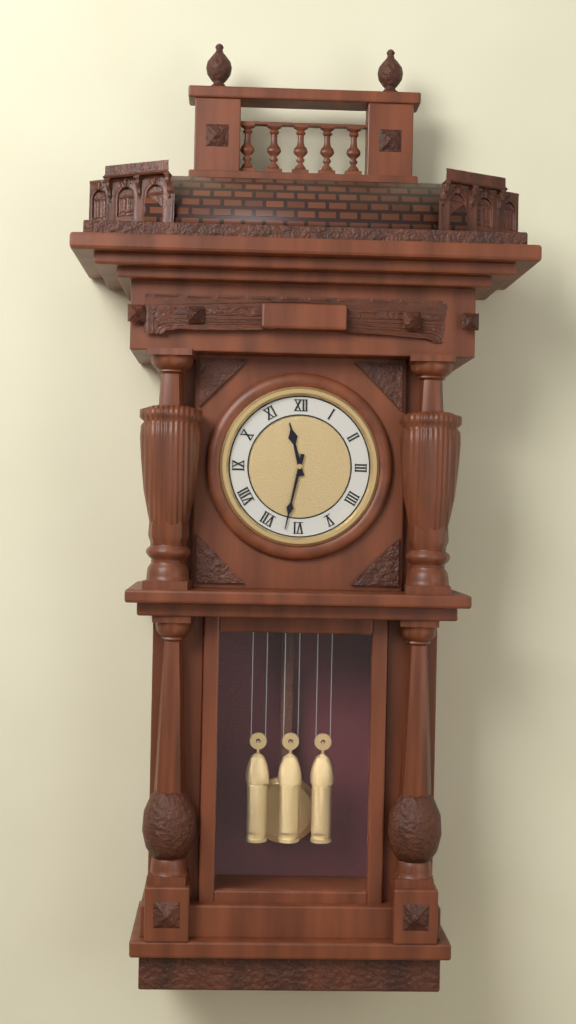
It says 11.32
